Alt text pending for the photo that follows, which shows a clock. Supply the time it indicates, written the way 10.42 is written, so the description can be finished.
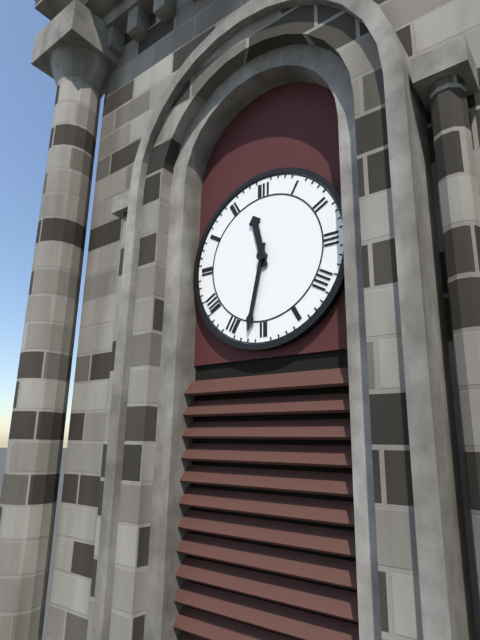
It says 11.32
